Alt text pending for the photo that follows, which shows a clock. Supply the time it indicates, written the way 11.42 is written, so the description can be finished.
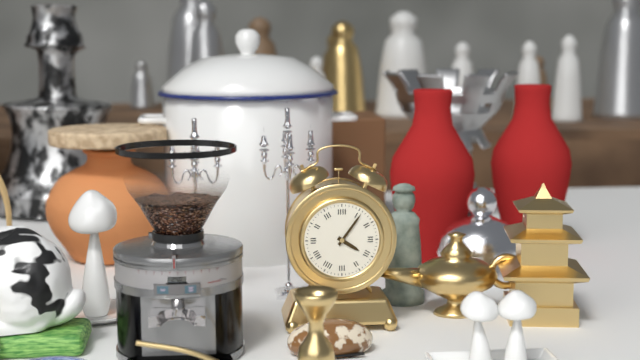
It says 4.06
